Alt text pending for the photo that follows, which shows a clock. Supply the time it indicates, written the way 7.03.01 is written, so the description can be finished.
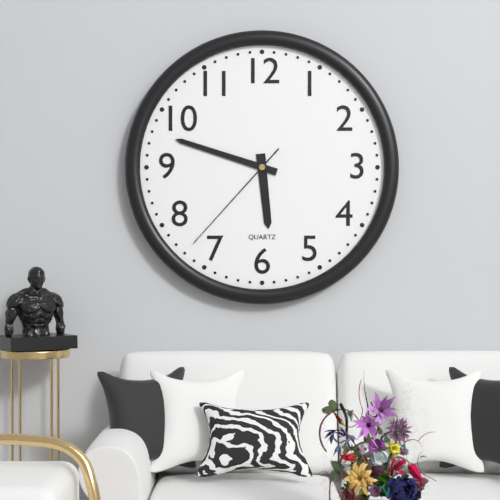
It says 5.48.37
